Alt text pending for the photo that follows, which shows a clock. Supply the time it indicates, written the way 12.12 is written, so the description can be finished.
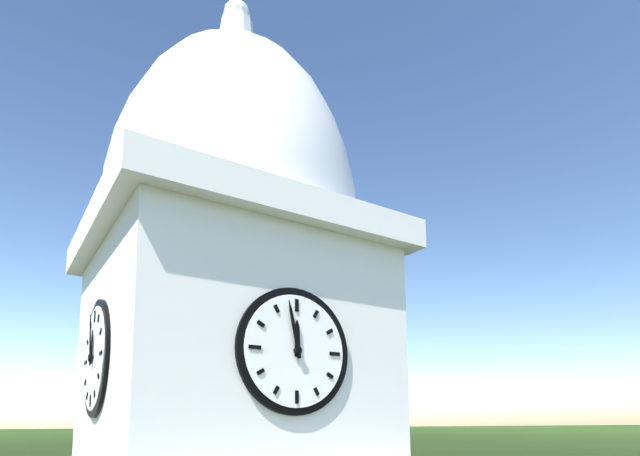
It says 11.58
